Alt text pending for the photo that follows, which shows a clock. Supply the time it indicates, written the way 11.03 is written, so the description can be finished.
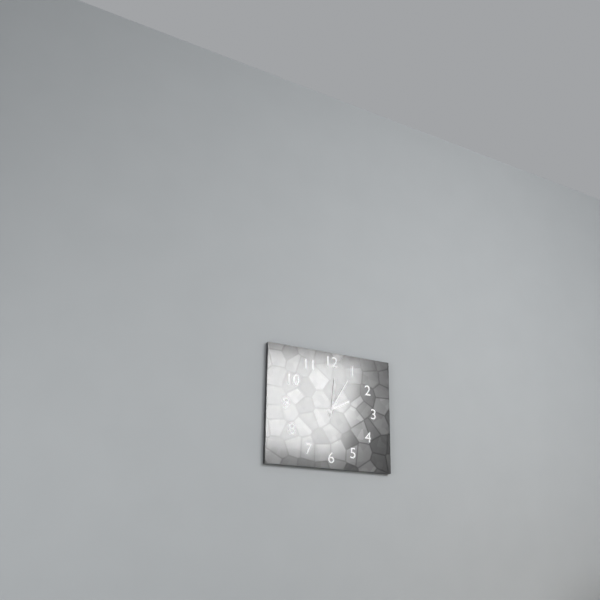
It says 2.05
